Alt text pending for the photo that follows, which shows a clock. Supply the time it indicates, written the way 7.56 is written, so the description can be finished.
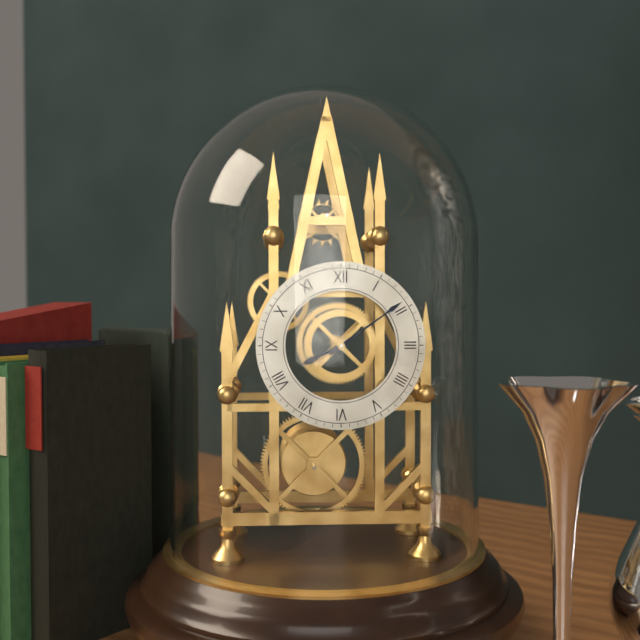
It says 8.09
